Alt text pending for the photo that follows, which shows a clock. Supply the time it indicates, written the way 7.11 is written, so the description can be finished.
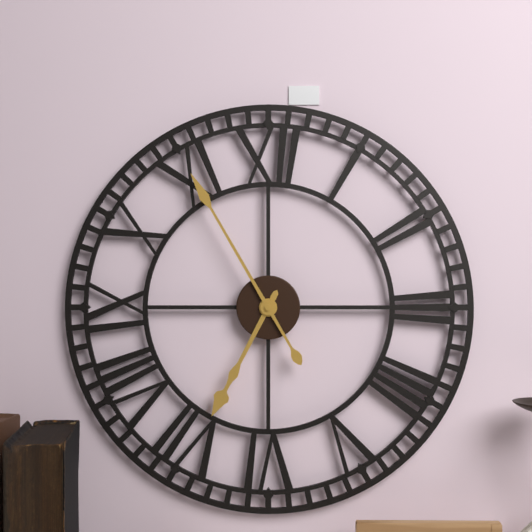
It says 6.55
